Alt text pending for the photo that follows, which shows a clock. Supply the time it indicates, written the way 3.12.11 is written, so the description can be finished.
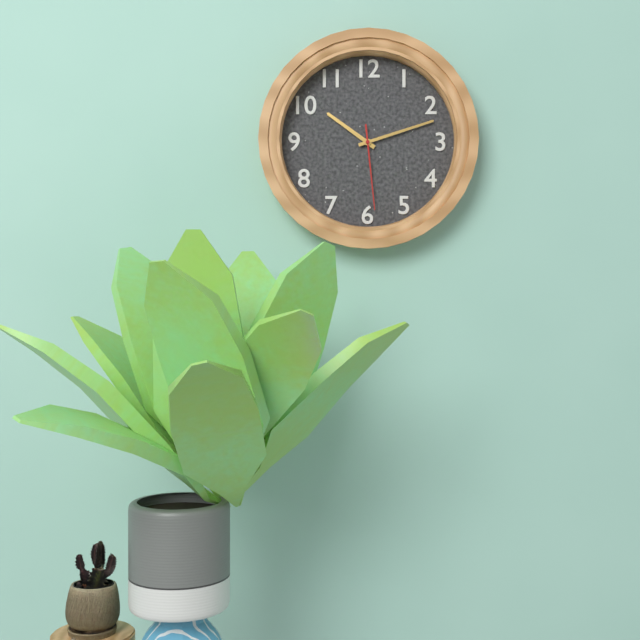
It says 10.12.29
